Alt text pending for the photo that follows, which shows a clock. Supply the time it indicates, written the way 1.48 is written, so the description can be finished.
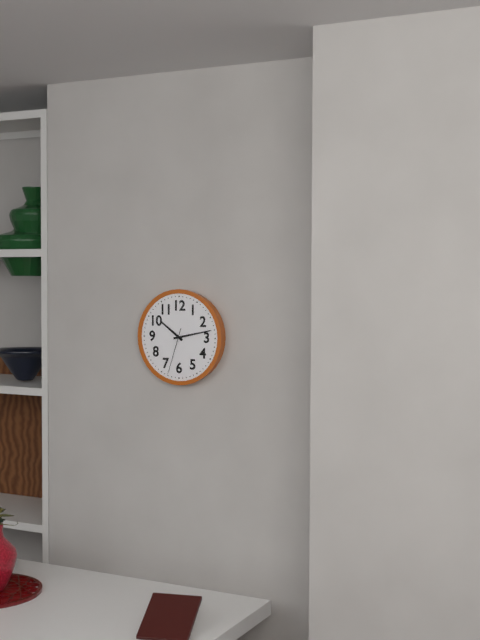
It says 10.13
